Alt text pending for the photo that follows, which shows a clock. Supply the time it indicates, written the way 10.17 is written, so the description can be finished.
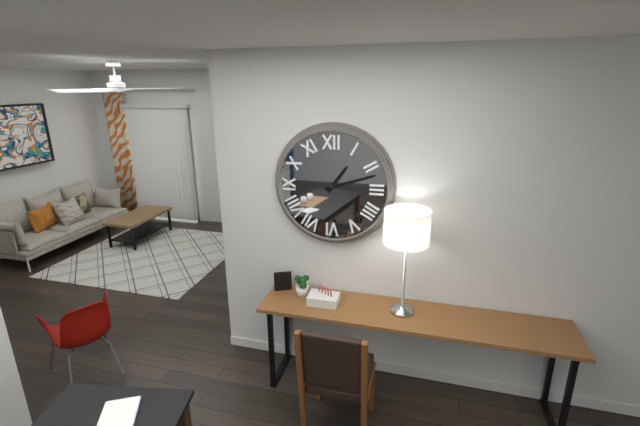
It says 1.12
